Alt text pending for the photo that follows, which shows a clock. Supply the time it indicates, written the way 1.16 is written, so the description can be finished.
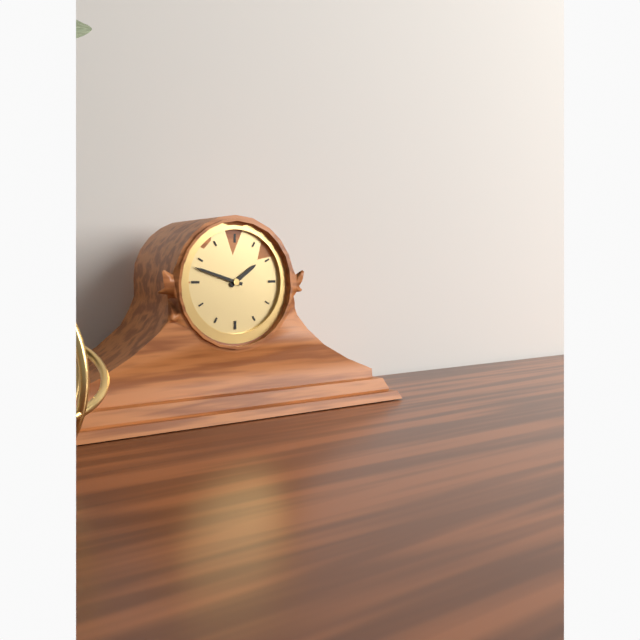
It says 1.48
